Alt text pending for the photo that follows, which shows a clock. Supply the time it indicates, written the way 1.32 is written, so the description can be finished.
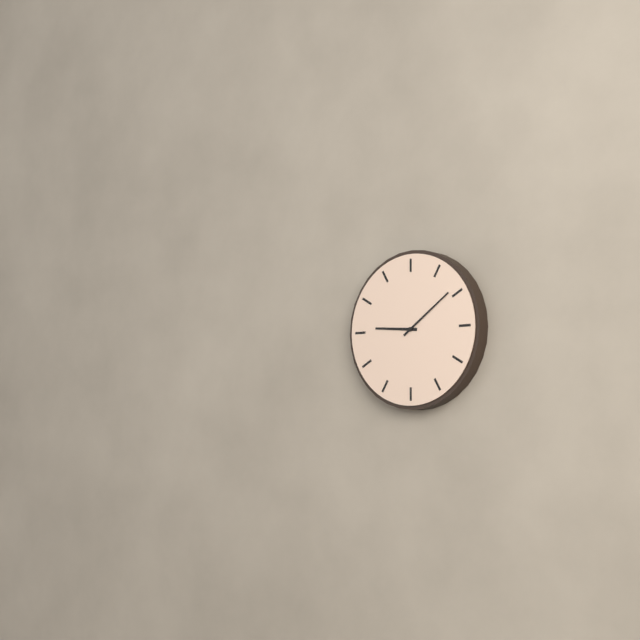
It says 9.09
